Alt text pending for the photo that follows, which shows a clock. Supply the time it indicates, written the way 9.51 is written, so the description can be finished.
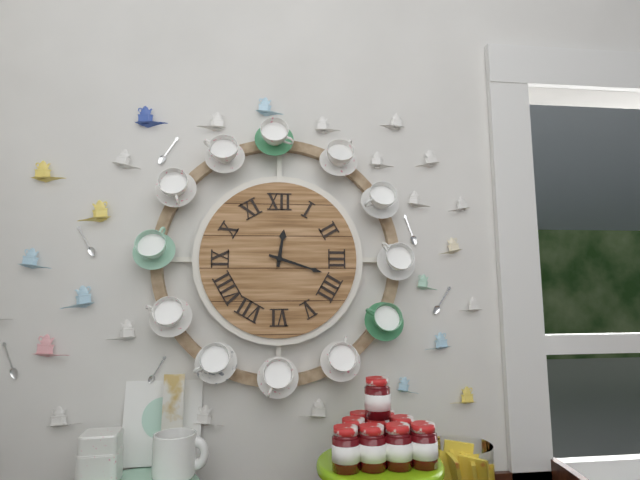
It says 12.18
